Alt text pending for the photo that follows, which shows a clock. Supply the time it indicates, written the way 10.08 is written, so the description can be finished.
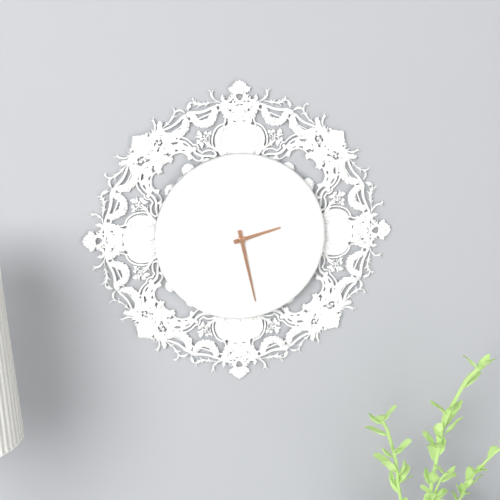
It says 2.28
